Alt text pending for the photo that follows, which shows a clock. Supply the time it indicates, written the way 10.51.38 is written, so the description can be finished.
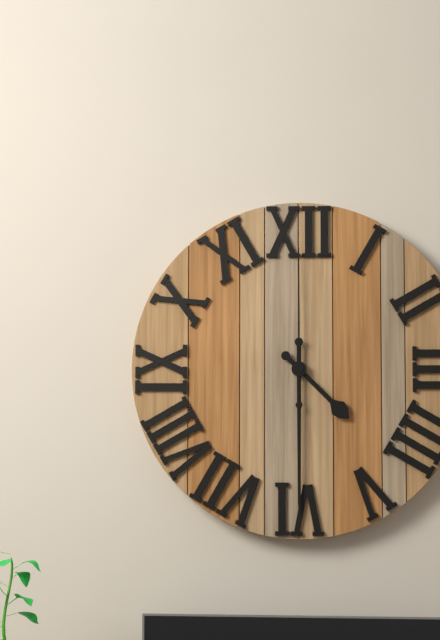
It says 4.30.00
